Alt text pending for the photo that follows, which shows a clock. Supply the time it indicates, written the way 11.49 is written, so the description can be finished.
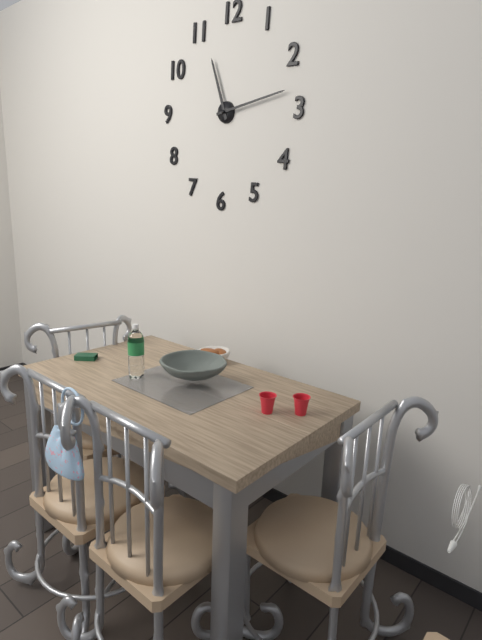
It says 11.13
